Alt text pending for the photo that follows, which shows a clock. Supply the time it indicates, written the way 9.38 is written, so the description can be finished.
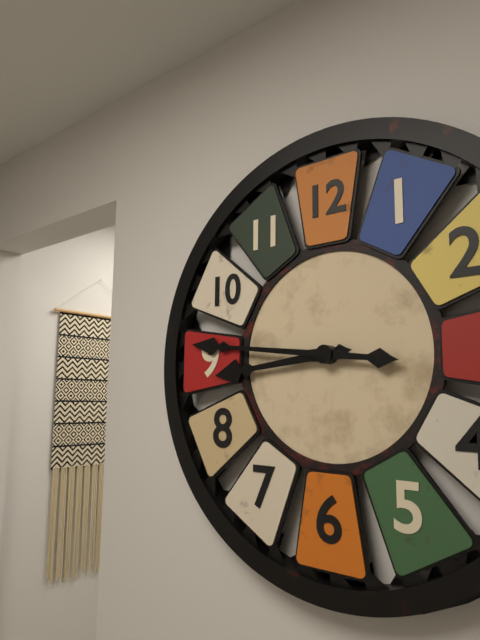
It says 8.46
